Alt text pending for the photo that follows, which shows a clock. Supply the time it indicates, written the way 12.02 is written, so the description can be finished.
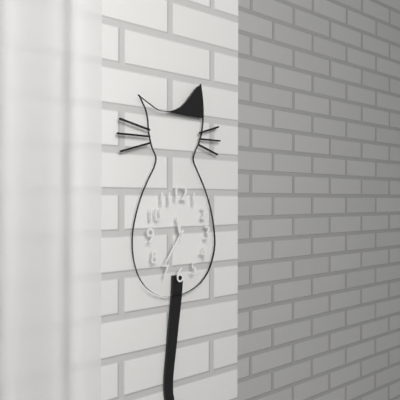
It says 11.36
